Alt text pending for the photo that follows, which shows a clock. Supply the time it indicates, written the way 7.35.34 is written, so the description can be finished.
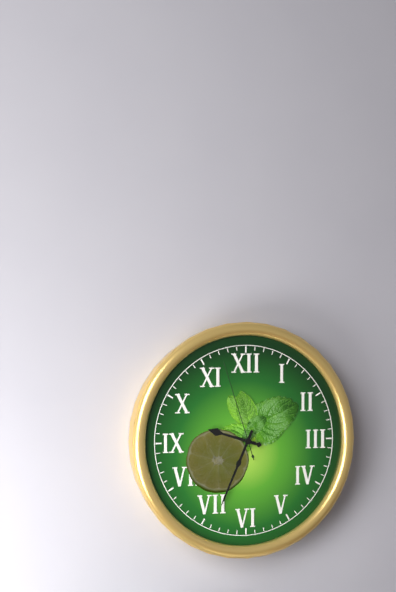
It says 9.34.57
